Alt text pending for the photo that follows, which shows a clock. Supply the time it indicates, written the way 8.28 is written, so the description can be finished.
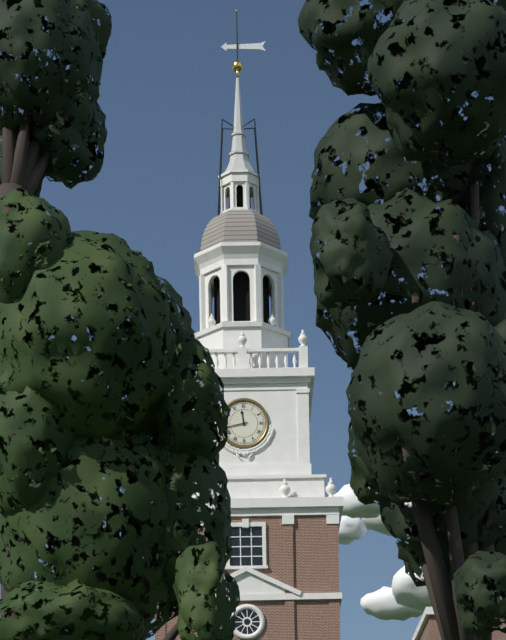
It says 11.43
